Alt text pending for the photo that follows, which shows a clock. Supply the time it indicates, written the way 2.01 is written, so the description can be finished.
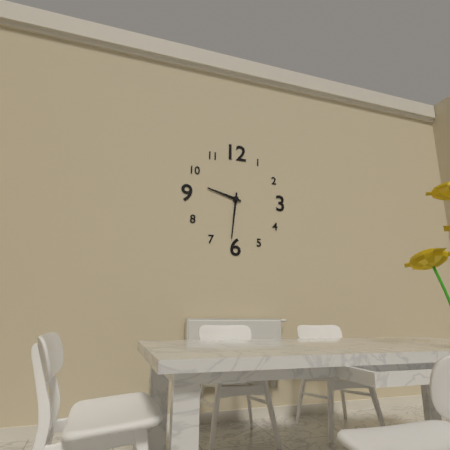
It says 9.31
